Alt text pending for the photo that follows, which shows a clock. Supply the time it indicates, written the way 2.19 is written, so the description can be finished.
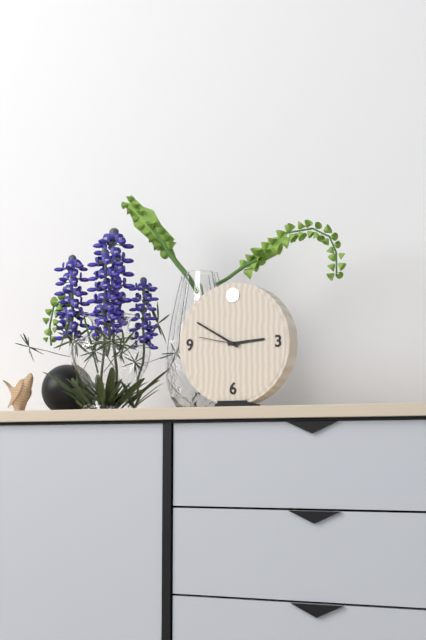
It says 2.50
